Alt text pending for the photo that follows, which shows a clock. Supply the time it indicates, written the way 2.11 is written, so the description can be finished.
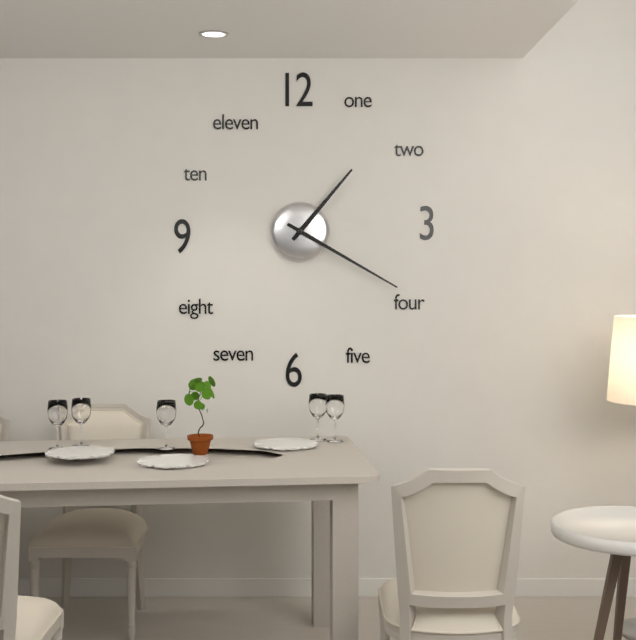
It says 1.20
